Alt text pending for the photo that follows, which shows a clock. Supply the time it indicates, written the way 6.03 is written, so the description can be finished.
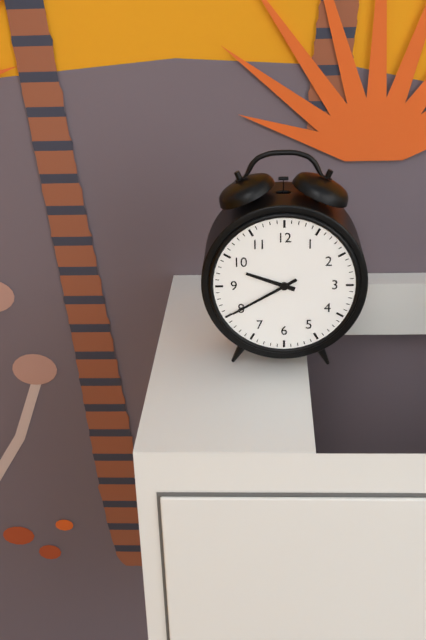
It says 9.40
